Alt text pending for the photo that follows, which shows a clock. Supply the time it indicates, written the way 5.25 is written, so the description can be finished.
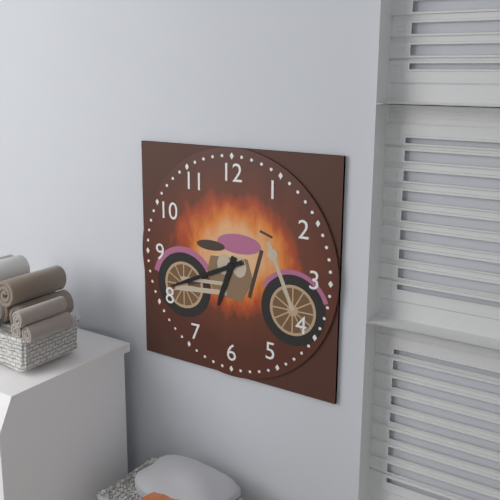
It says 6.41
